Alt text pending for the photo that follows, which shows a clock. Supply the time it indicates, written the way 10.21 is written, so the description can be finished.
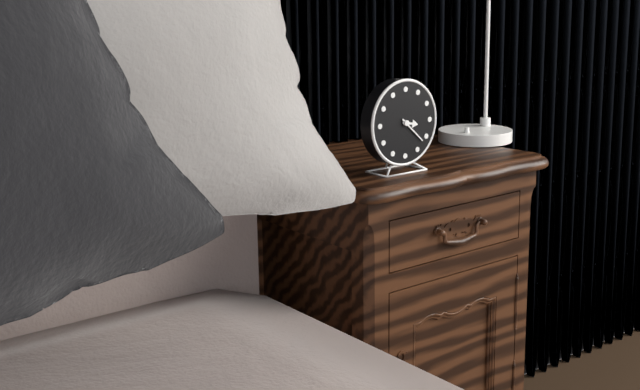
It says 3.22
